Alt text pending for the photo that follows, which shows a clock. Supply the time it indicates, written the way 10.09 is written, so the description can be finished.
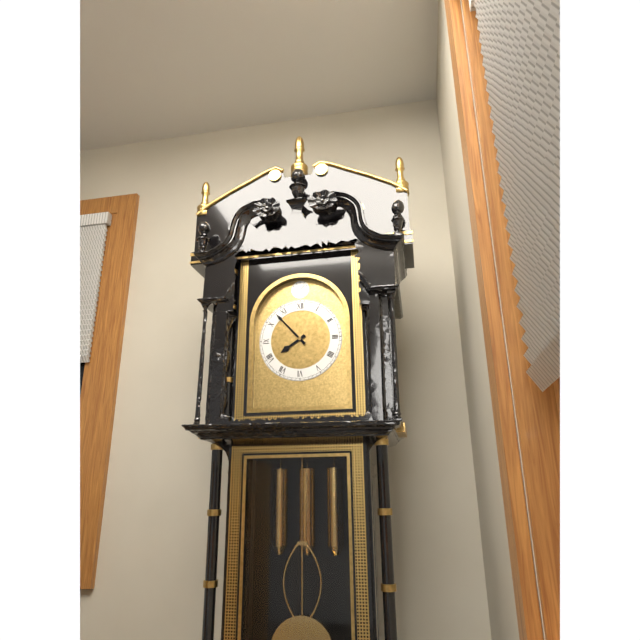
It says 7.53
